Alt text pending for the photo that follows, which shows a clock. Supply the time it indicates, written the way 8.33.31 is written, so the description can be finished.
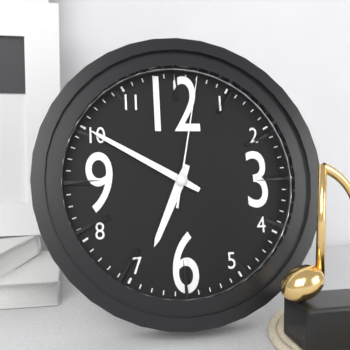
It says 6.50.02
